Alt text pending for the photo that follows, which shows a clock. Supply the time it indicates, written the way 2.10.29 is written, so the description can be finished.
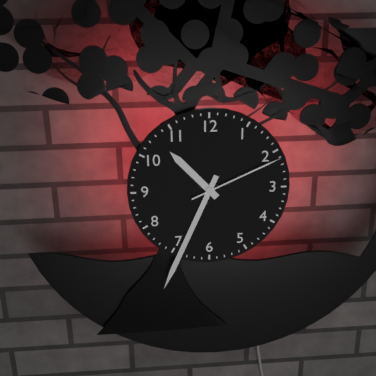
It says 10.34.11
